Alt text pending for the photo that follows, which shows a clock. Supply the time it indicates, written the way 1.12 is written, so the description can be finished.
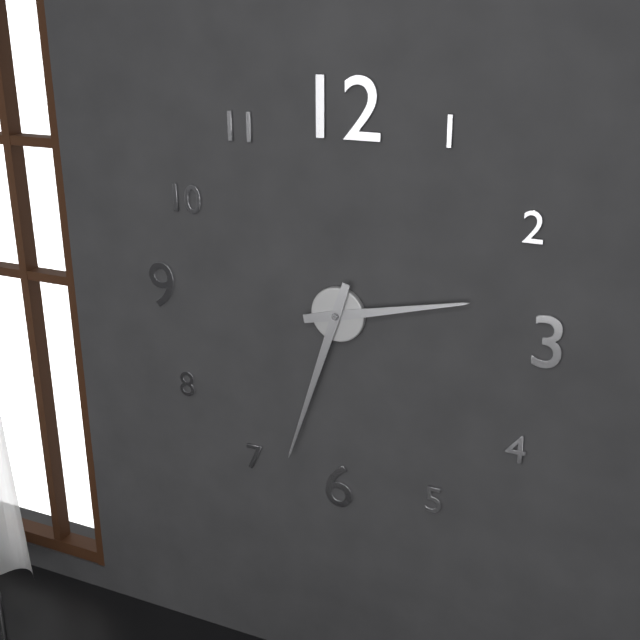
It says 2.33
